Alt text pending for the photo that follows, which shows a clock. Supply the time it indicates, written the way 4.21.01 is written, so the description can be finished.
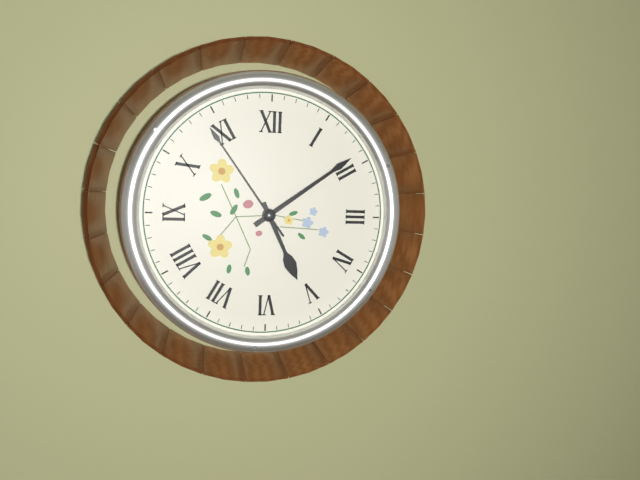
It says 5.09.54
